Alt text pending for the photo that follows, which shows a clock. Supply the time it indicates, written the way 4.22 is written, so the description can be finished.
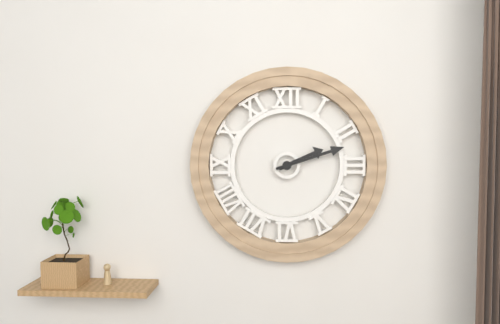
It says 2.12
